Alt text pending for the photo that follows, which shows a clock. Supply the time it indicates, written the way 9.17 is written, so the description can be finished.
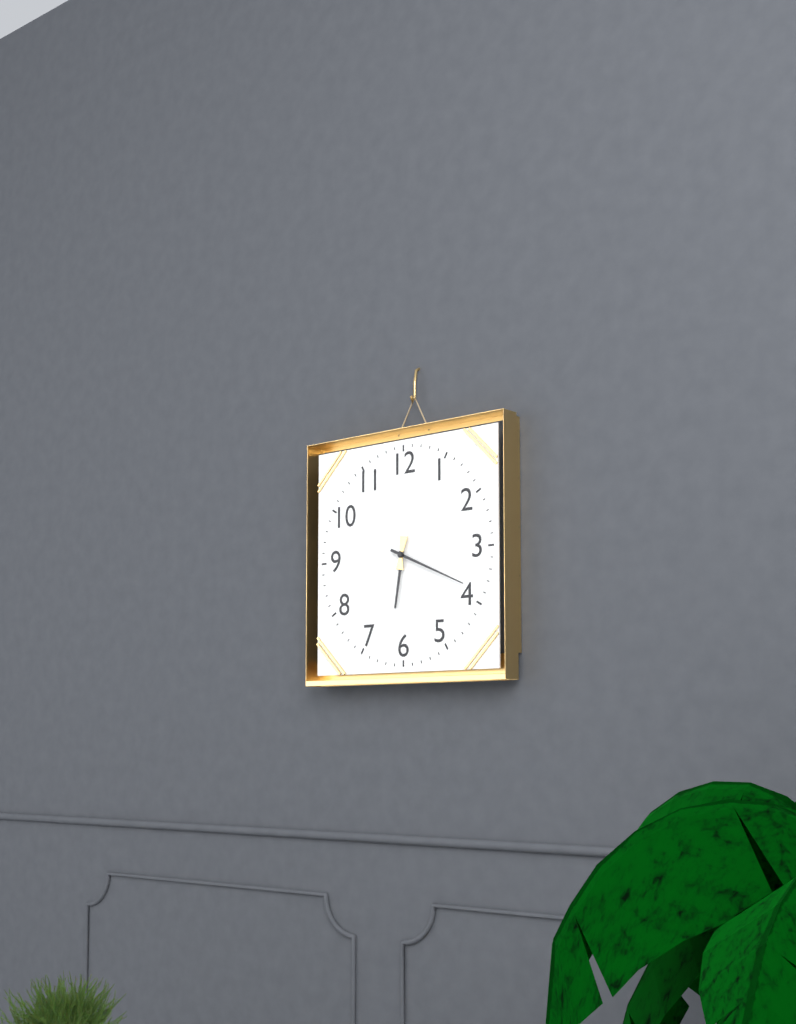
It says 6.19
